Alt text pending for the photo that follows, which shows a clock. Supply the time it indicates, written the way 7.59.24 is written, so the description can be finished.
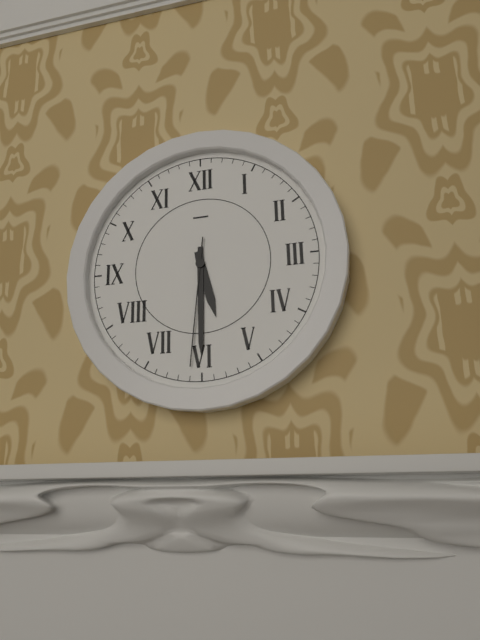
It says 5.30.31
